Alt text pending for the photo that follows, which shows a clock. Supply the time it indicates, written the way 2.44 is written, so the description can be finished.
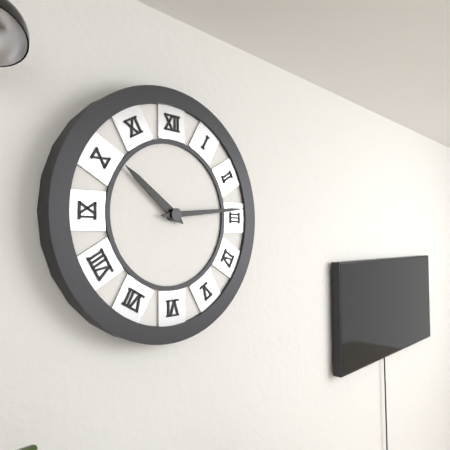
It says 10.14
